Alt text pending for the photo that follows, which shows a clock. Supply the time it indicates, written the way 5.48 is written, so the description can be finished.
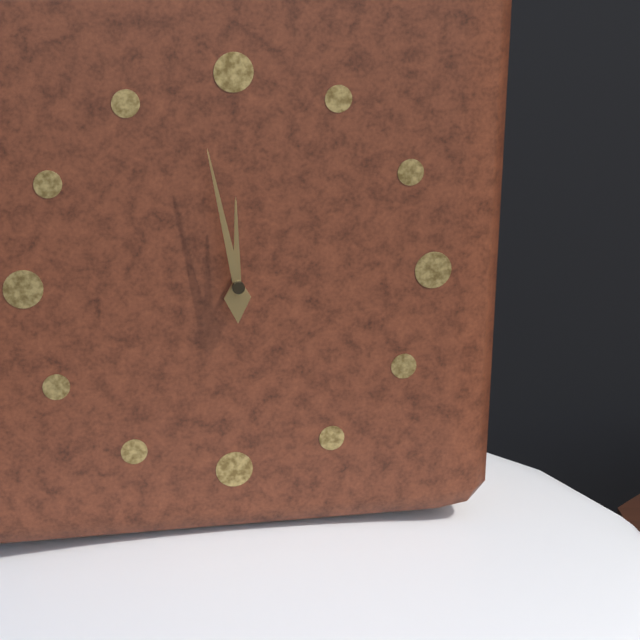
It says 11.58
